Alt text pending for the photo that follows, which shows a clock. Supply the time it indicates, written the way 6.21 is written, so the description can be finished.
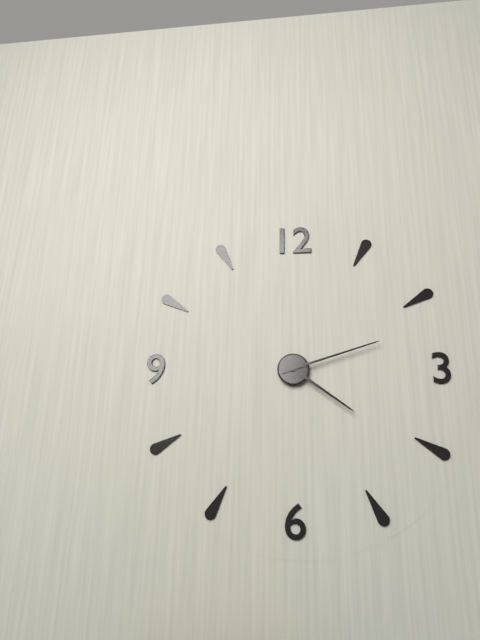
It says 4.12
